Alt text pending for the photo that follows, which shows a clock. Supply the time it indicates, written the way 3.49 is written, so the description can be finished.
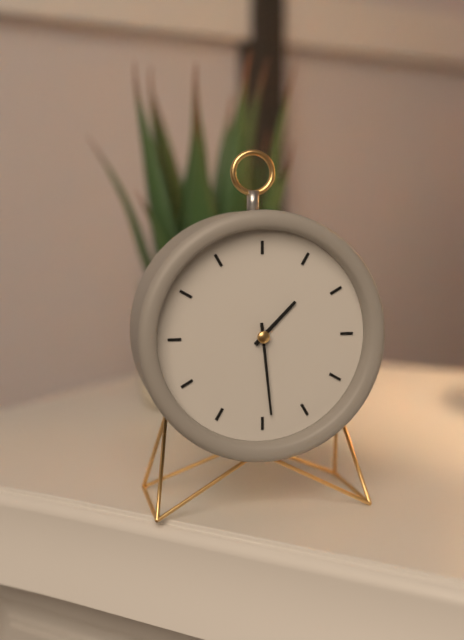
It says 1.29
